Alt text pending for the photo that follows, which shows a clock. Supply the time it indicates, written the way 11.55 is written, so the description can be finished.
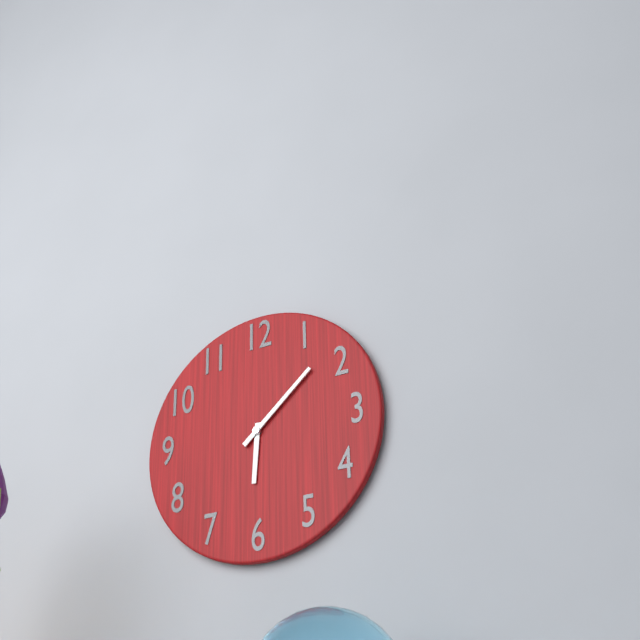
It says 6.08
